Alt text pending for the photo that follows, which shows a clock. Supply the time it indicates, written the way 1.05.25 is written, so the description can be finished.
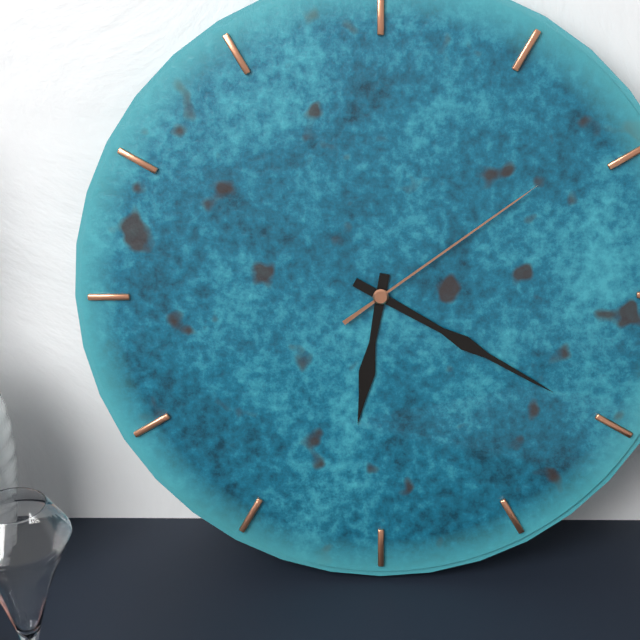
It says 6.20.09
